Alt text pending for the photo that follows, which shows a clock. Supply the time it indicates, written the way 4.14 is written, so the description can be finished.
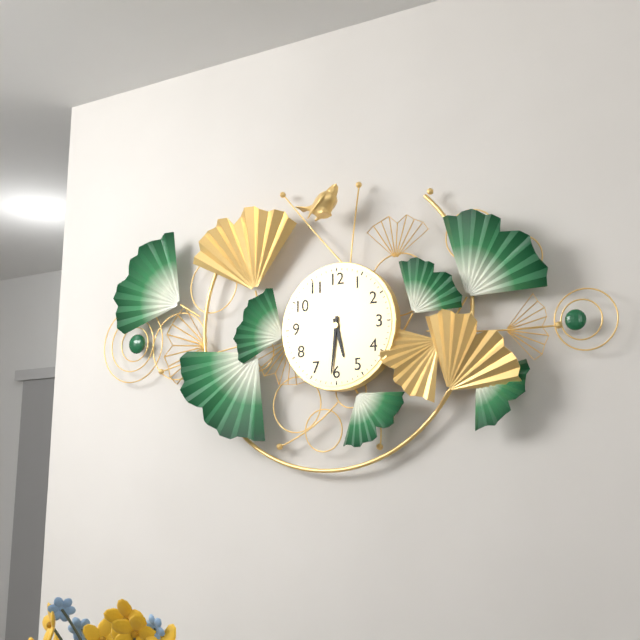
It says 5.31
